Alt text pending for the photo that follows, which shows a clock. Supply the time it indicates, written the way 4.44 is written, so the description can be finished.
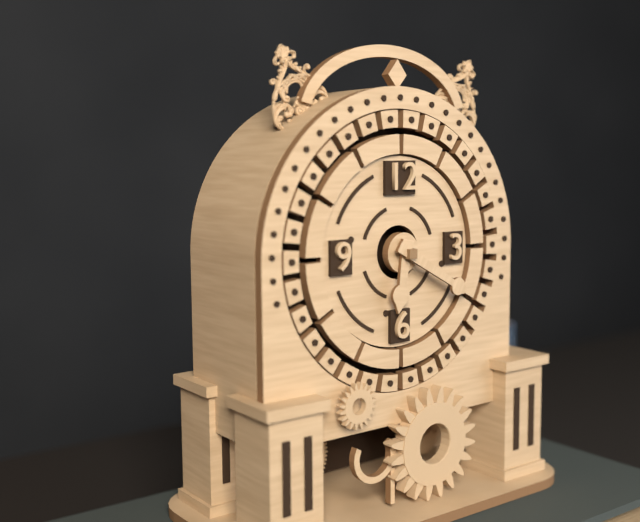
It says 6.20
